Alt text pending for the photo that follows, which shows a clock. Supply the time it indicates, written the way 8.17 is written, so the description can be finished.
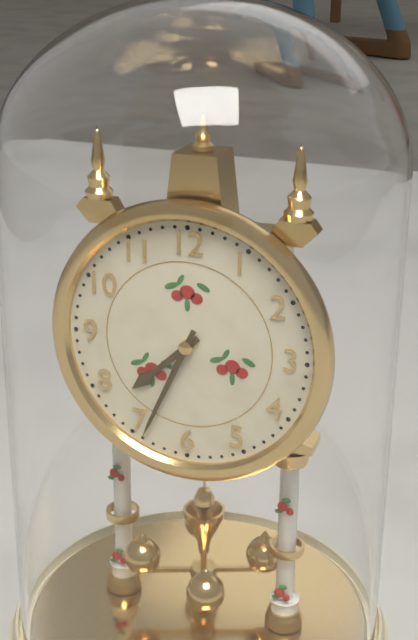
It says 7.34
